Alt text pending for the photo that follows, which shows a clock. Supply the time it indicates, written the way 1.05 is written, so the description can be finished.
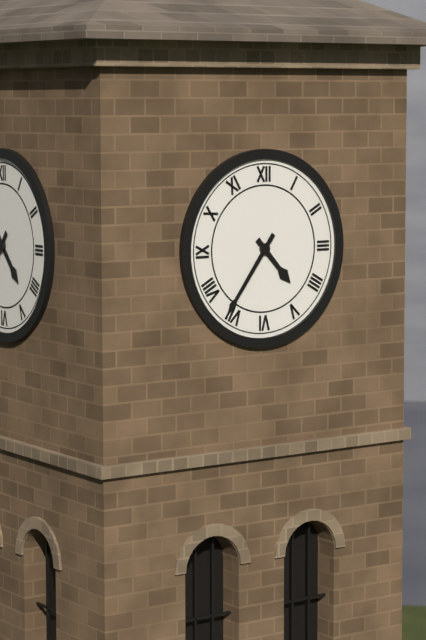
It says 4.36
